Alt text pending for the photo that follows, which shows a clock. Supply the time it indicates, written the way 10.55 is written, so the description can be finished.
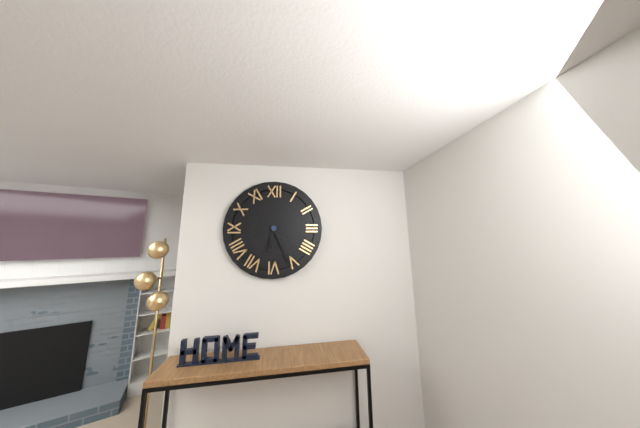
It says 6.26
